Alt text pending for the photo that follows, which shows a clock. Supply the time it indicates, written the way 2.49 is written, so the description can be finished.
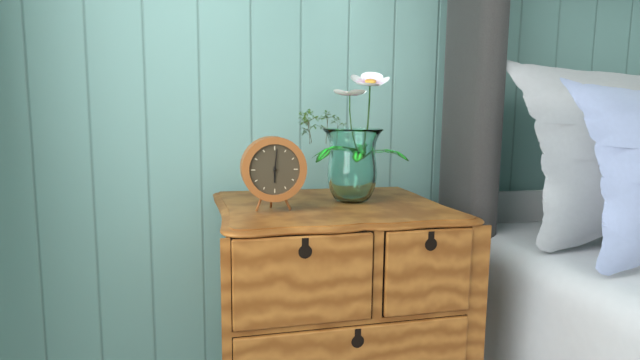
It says 6.01
